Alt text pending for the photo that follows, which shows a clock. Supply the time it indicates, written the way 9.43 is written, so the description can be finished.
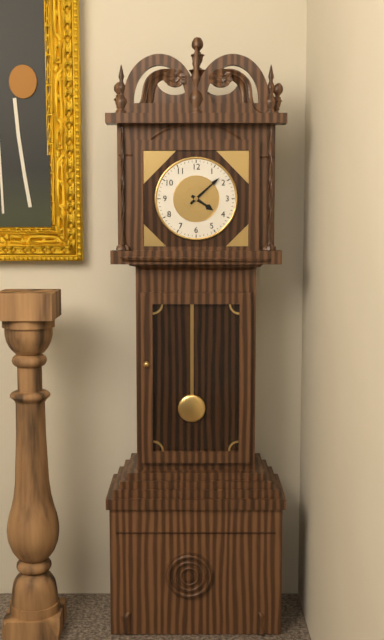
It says 4.08
